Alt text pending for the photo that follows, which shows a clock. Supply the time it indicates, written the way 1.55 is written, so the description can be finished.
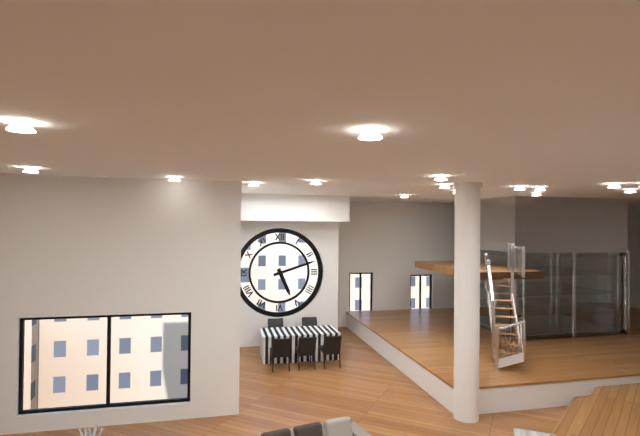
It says 5.12
